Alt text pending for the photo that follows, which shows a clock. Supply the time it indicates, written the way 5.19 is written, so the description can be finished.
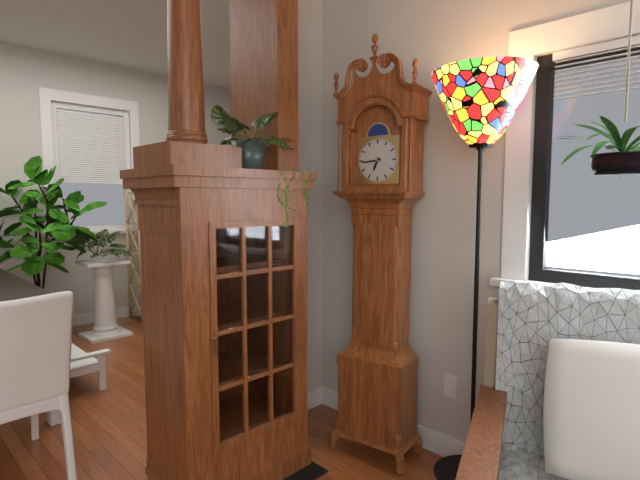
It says 6.44
